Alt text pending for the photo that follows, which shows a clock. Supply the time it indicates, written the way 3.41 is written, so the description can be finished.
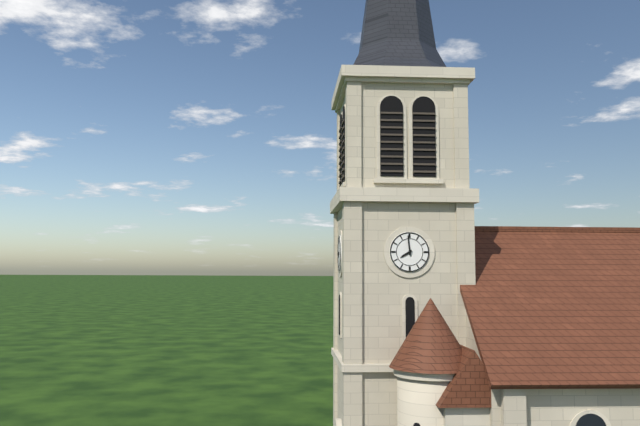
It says 7.59
